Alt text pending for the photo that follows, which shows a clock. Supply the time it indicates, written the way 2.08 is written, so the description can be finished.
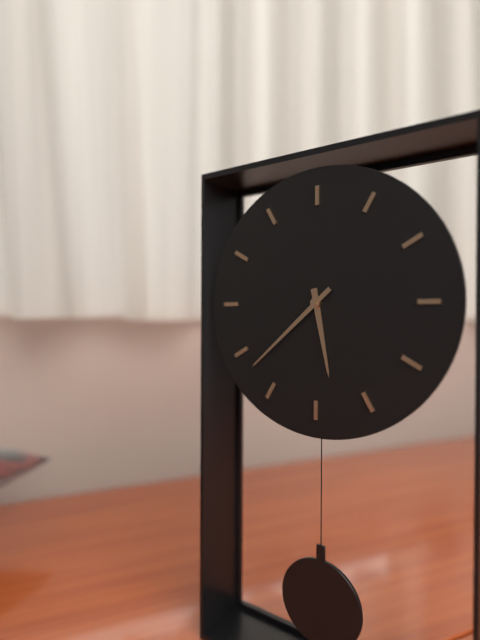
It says 5.38
